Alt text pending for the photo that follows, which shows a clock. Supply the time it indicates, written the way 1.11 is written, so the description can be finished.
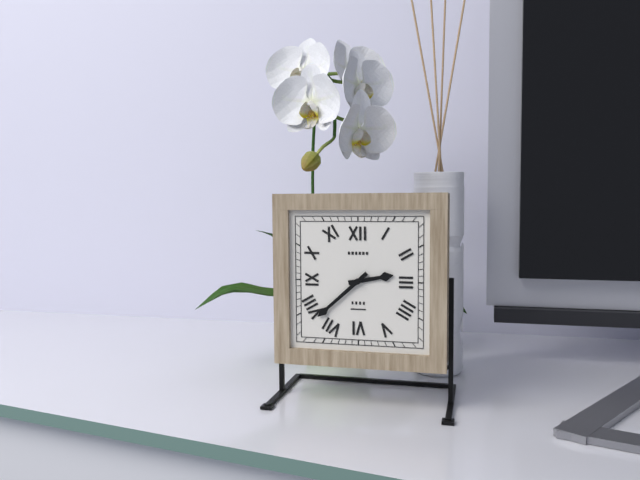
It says 2.38
